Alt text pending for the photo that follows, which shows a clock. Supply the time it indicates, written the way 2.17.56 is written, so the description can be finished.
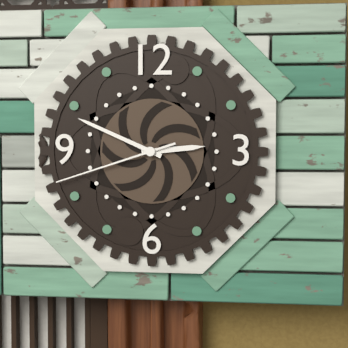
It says 2.49.42
